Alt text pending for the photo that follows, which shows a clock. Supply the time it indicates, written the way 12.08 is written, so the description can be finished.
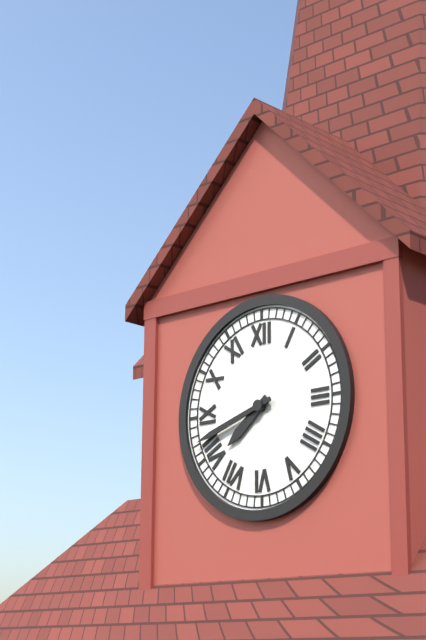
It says 7.42
